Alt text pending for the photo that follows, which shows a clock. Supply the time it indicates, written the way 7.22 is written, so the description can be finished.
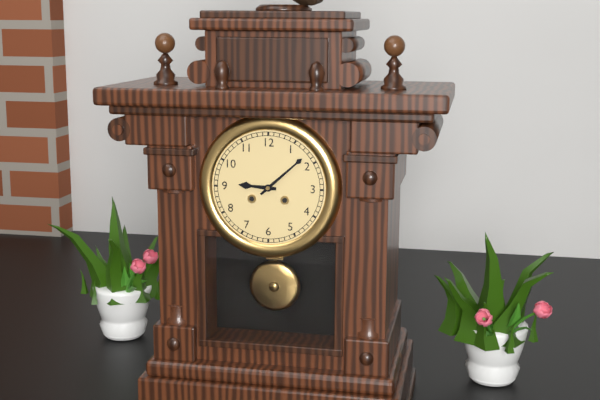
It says 9.08
